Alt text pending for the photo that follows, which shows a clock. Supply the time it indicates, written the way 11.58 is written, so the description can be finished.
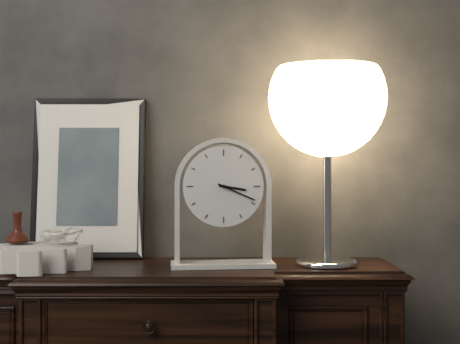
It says 3.19
